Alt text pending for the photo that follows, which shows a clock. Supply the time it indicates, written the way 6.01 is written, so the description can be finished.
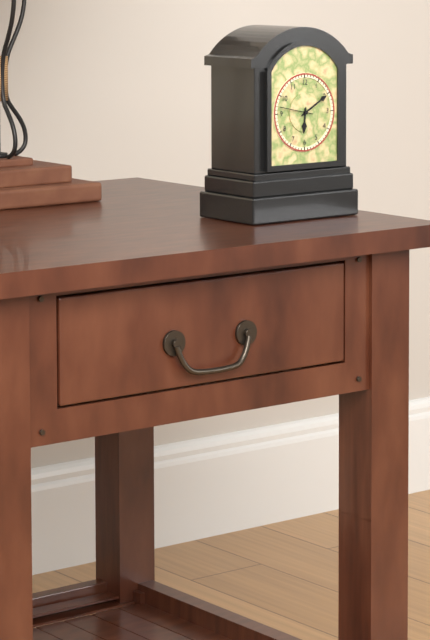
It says 6.10
